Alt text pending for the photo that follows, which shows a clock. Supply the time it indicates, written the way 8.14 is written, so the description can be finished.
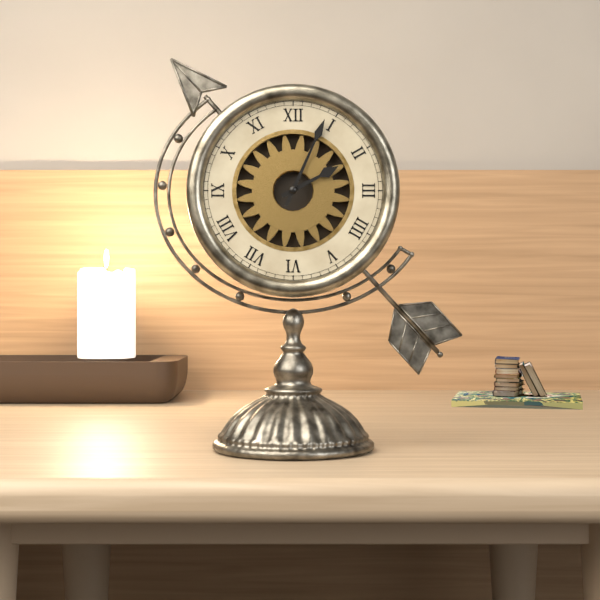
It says 2.04
